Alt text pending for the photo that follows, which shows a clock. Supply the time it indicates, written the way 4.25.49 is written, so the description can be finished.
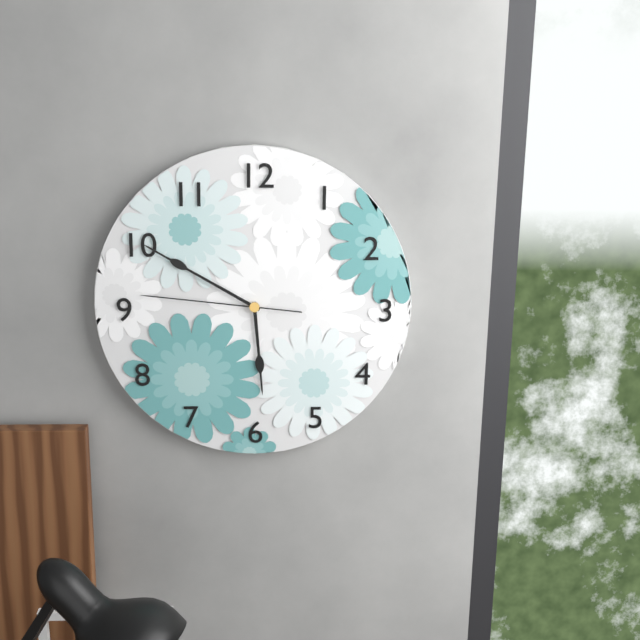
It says 5.50.46
